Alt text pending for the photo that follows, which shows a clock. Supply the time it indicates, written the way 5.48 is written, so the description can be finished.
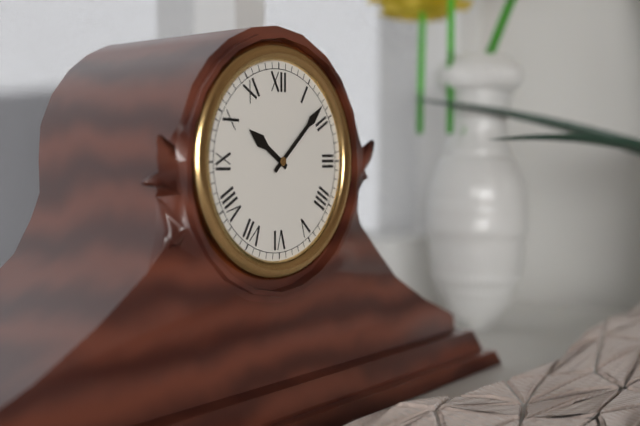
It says 10.08
